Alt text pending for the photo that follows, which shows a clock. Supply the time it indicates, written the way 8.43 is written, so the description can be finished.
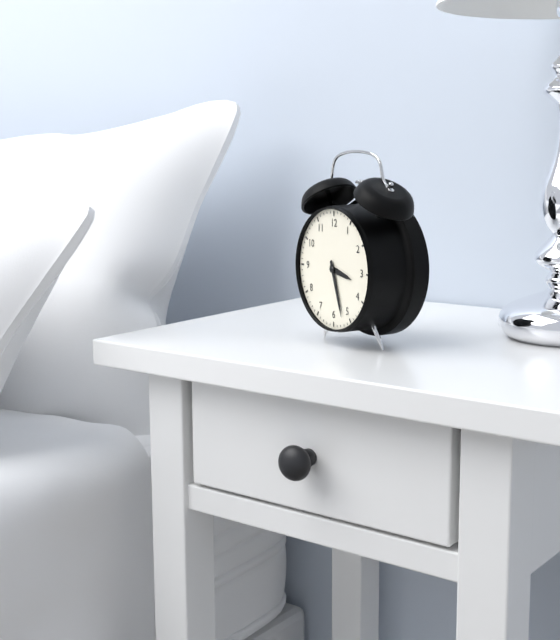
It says 3.27
